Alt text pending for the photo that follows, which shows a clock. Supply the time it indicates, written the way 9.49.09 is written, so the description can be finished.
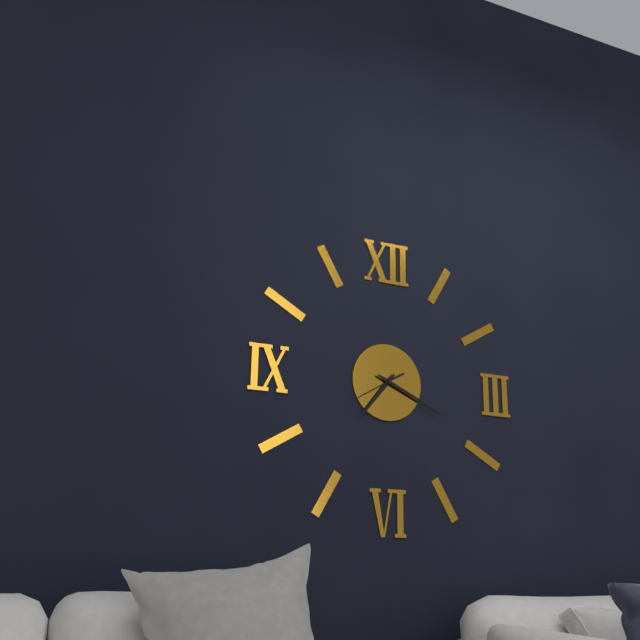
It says 7.19.40
